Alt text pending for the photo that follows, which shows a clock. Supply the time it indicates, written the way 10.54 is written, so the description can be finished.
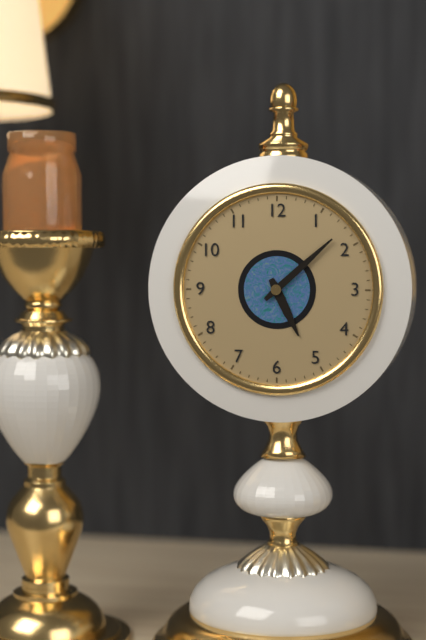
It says 5.08
